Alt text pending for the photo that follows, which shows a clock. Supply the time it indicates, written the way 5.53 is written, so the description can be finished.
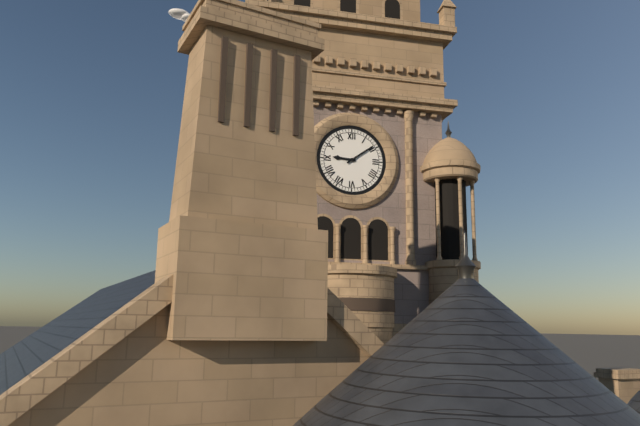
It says 9.09
